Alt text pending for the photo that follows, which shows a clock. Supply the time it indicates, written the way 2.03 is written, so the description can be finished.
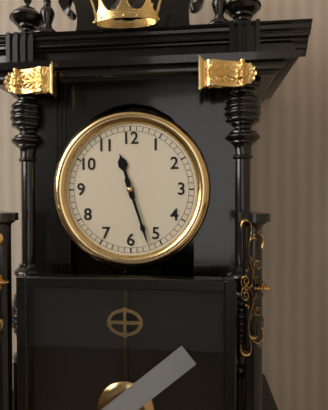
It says 11.27
